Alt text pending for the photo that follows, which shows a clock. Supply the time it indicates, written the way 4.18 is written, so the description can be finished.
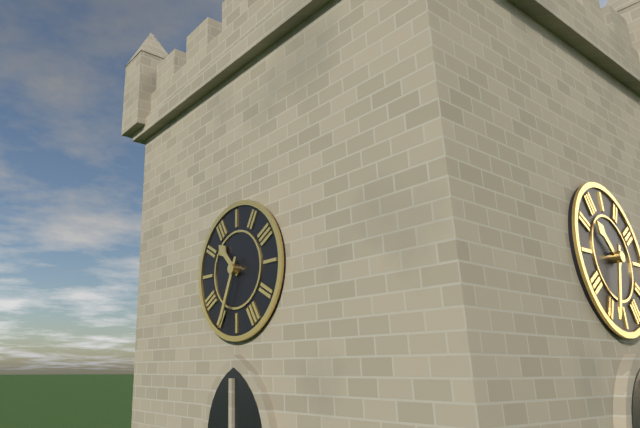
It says 10.34
